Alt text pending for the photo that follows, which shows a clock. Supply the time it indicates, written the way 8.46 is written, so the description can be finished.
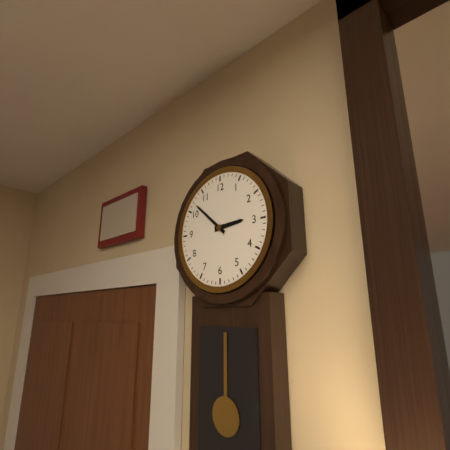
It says 2.52
